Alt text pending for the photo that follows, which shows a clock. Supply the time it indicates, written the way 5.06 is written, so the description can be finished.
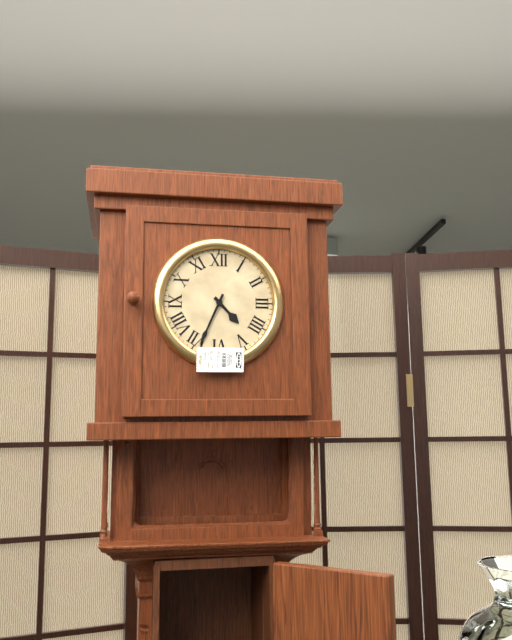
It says 4.34
